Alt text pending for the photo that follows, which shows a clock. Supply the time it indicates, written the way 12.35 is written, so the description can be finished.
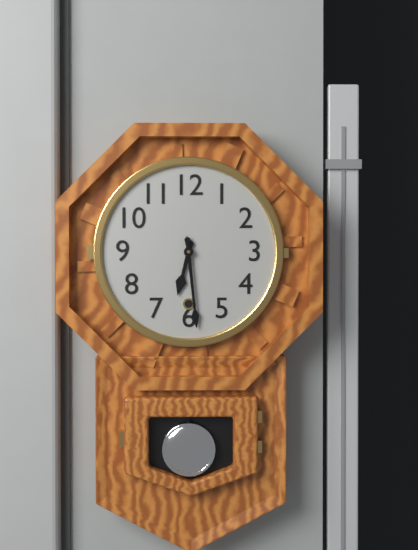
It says 6.29
